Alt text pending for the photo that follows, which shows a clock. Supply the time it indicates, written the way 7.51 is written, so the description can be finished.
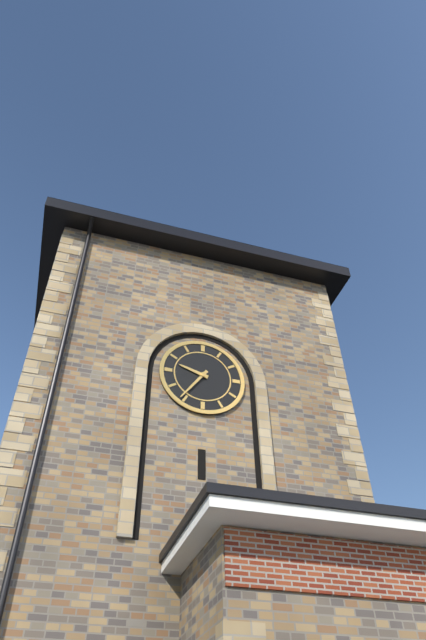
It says 9.36
